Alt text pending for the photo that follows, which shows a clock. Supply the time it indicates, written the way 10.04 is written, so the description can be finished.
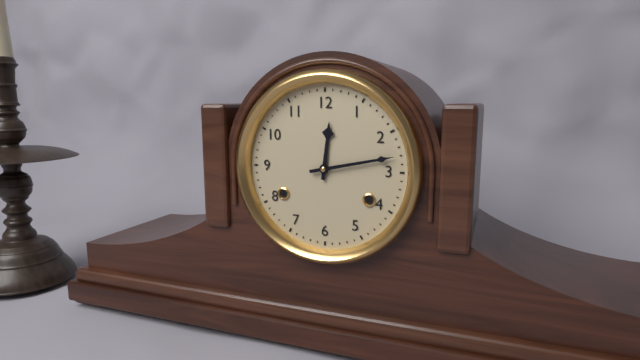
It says 12.13
